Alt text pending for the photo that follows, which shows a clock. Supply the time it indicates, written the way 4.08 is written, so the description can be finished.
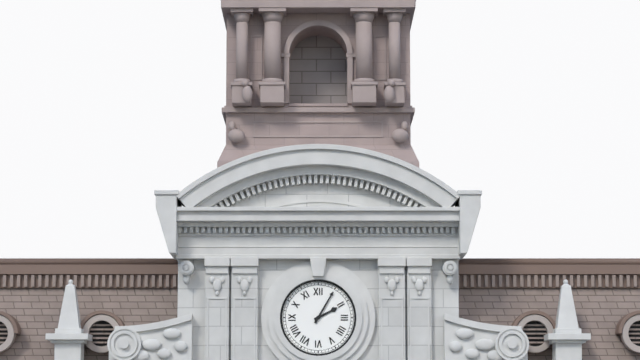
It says 2.05
